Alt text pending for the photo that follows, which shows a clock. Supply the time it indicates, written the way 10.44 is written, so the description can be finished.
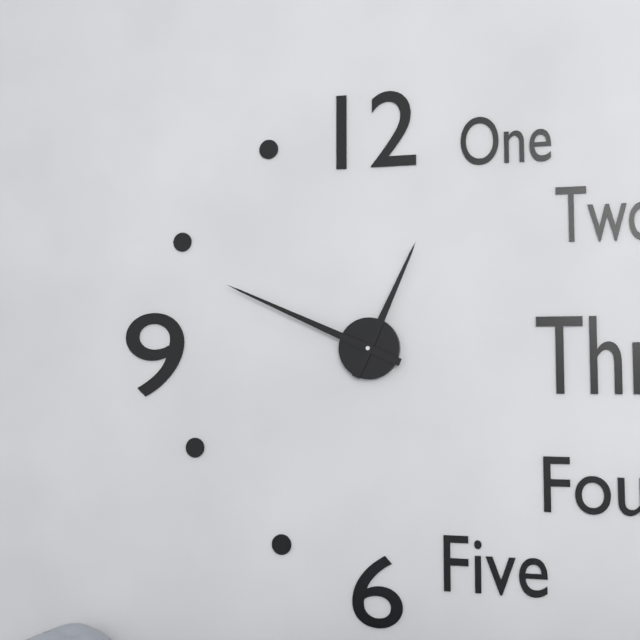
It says 12.49
